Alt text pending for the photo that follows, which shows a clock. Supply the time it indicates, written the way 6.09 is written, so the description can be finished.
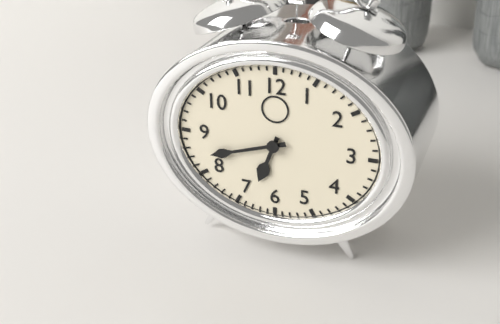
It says 6.42
